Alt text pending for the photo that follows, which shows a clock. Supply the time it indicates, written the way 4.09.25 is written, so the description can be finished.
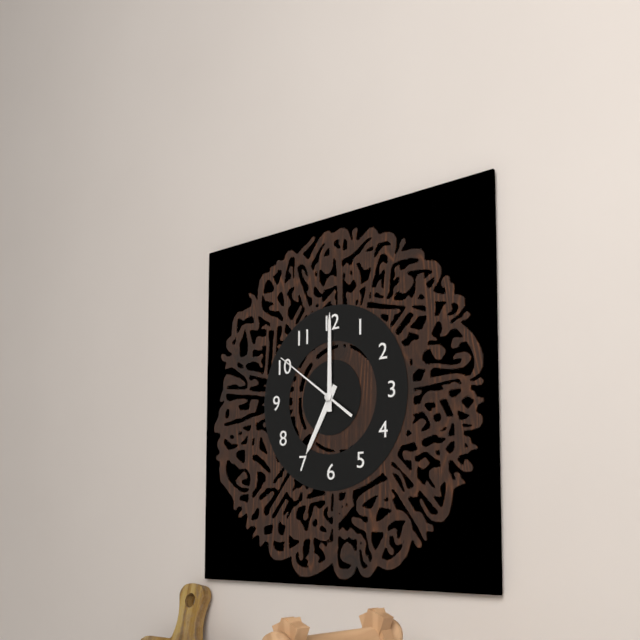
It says 7.00.51
